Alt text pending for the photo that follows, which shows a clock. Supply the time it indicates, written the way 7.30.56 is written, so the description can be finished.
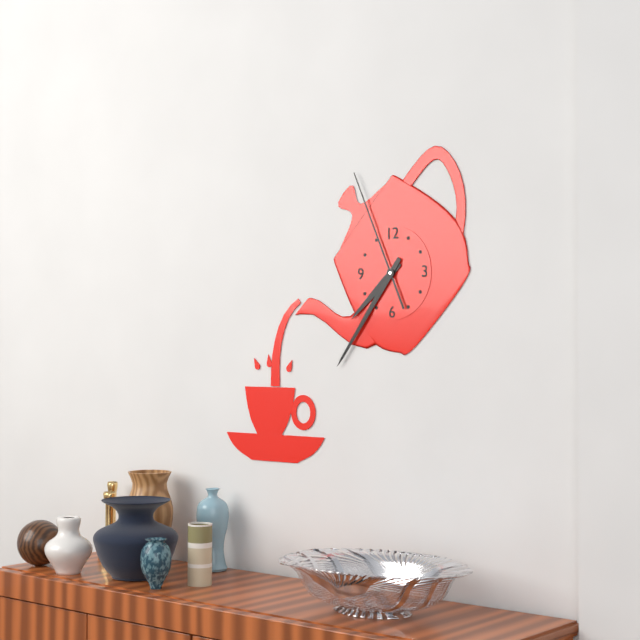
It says 7.36.56
